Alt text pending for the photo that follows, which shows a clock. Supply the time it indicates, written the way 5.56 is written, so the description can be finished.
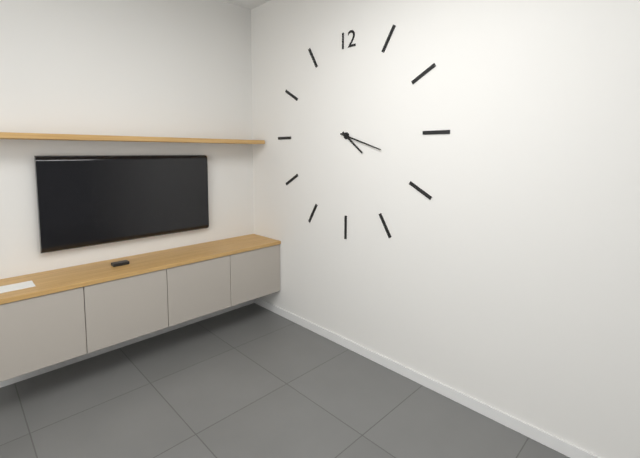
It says 4.18
